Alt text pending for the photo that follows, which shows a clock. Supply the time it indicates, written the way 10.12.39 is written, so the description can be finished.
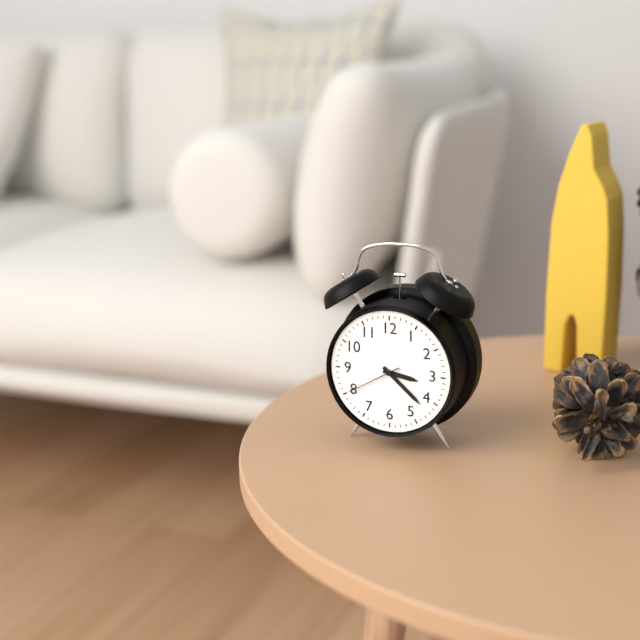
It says 3.22.40
